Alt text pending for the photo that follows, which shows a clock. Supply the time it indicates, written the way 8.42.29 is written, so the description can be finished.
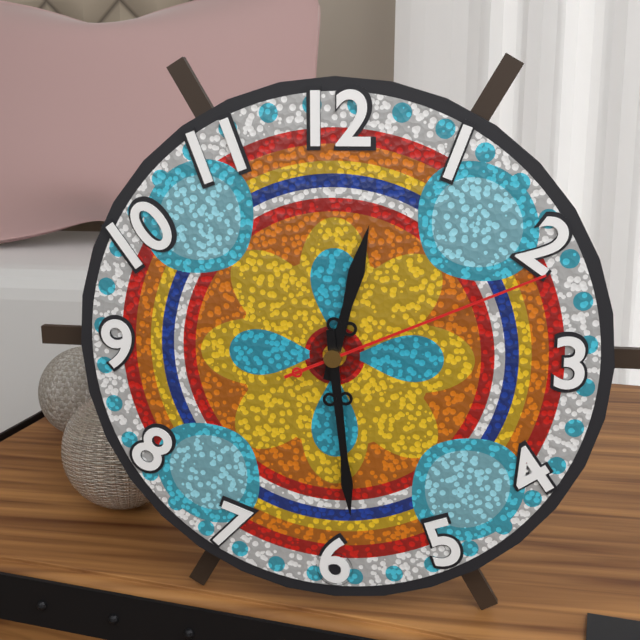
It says 12.29.11
